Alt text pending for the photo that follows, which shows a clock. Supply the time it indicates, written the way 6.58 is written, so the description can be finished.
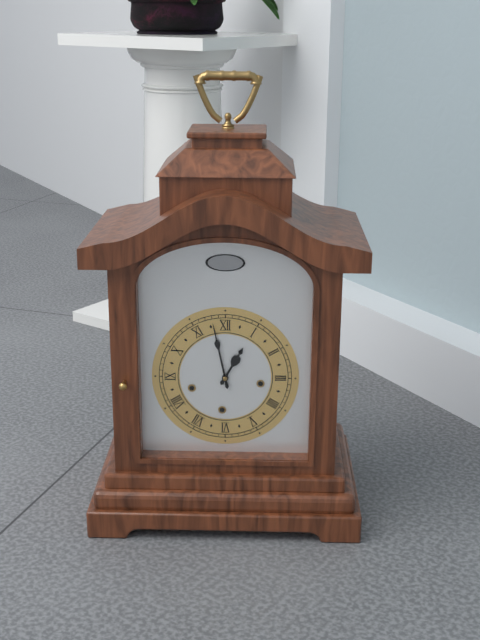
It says 12.58
